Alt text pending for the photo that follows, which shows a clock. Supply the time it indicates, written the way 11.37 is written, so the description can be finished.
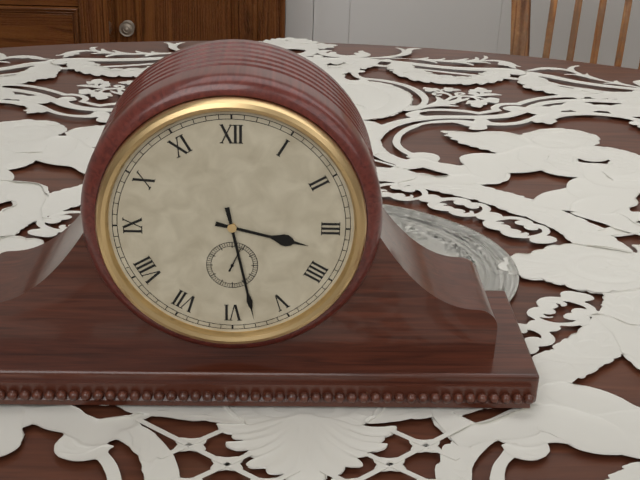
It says 3.28
